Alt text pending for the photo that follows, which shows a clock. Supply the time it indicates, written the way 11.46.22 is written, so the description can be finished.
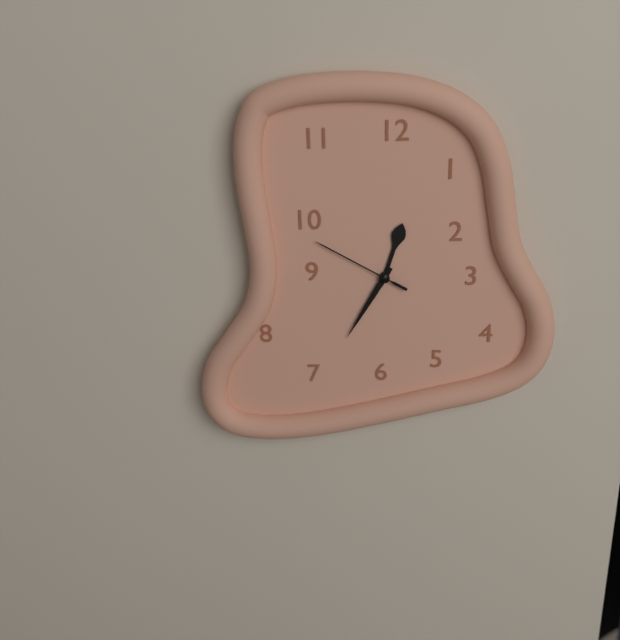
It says 12.35.50
